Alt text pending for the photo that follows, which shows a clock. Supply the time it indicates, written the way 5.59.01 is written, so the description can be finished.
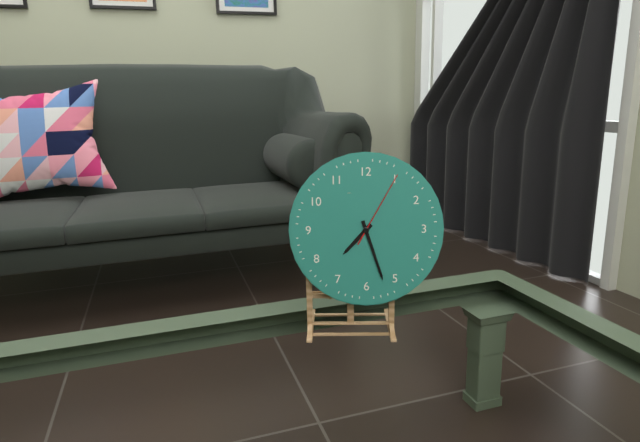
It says 7.27.05
